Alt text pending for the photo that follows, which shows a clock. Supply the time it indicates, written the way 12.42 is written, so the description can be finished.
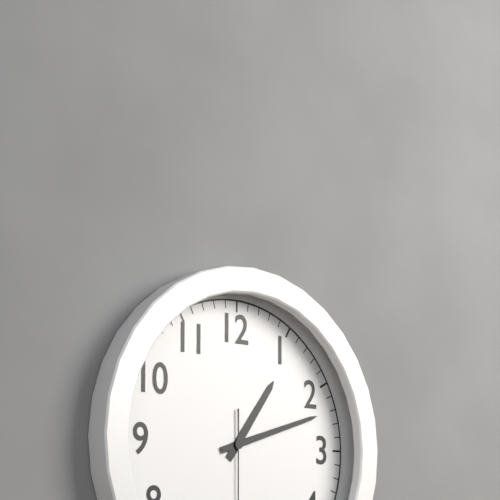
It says 1.12
